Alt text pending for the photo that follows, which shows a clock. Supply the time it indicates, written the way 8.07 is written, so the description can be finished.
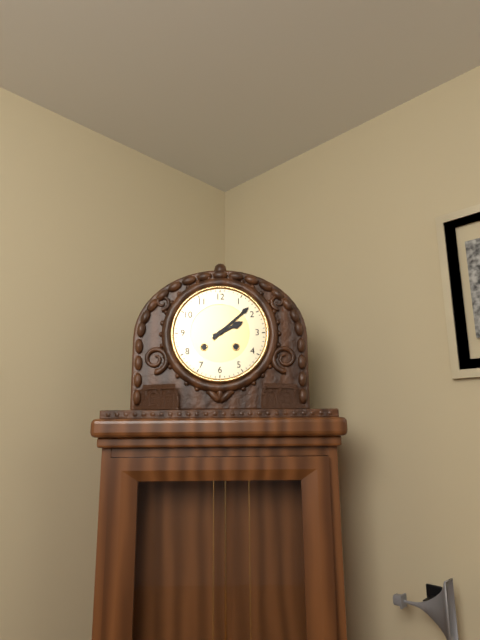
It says 2.08
